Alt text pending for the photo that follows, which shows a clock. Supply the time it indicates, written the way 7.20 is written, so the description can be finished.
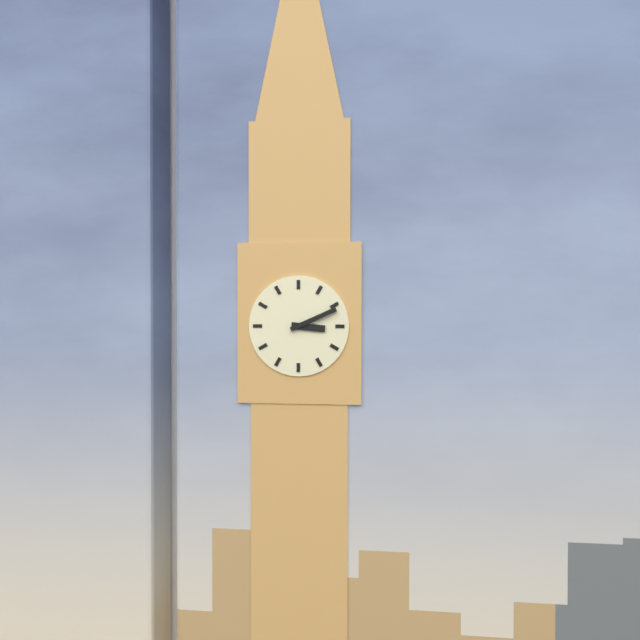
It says 3.11
